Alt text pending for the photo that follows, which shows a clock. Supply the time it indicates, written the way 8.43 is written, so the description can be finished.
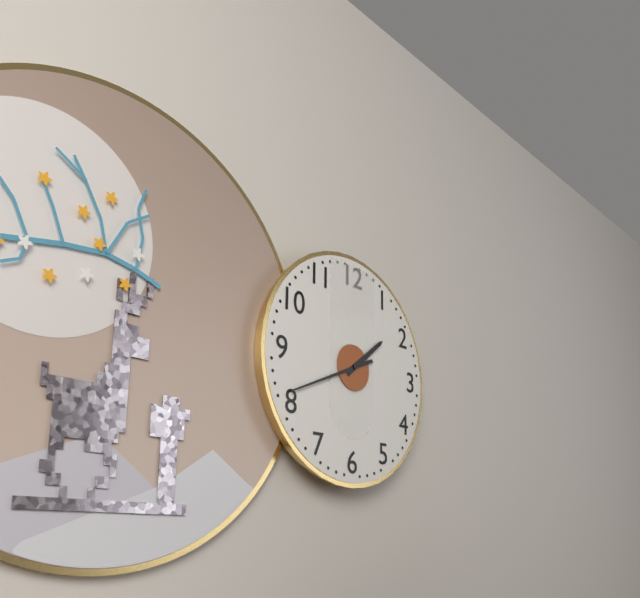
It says 1.41
